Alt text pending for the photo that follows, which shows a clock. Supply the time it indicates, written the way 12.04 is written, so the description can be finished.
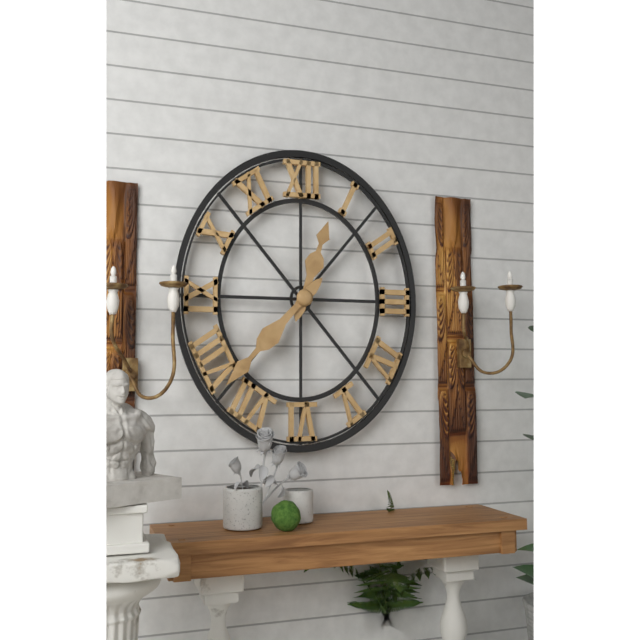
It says 12.37
